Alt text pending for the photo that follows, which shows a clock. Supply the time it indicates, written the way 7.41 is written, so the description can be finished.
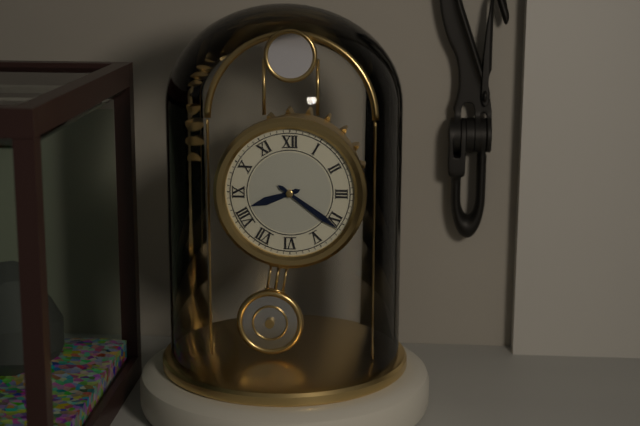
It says 8.21
